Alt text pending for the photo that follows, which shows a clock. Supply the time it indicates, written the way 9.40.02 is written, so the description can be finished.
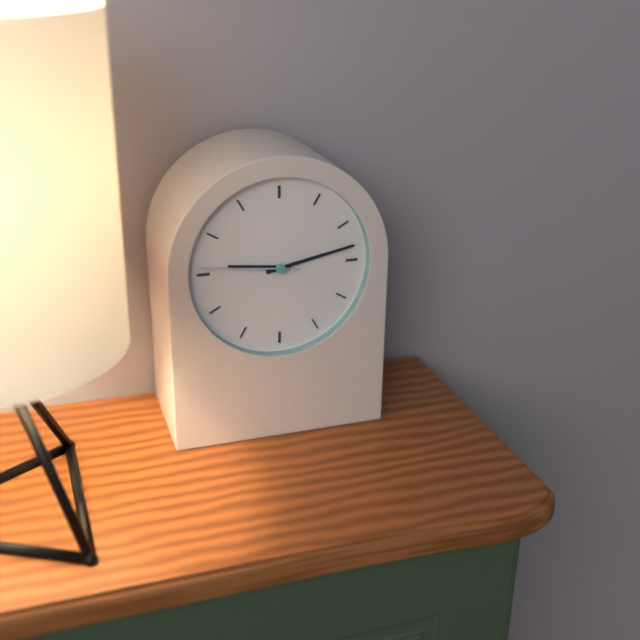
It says 9.13.46
